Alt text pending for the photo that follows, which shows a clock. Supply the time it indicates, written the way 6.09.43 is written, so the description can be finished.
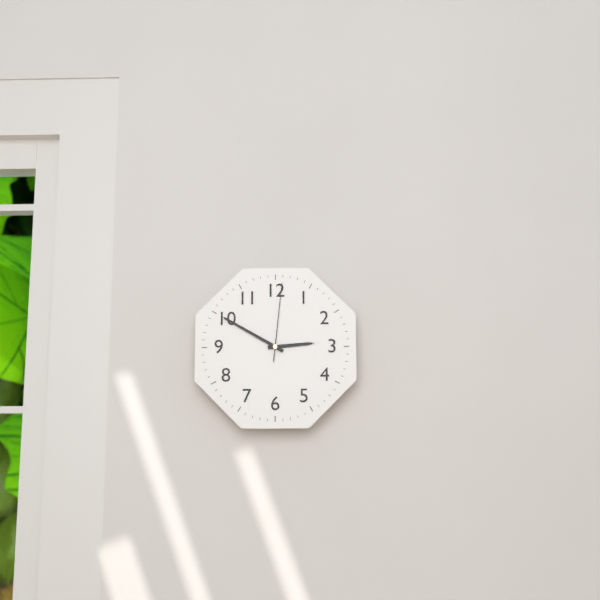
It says 2.50.01
